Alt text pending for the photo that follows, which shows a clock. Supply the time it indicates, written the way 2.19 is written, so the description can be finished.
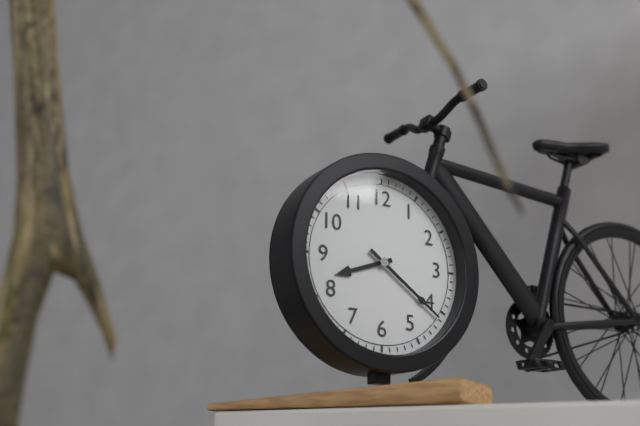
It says 8.21
